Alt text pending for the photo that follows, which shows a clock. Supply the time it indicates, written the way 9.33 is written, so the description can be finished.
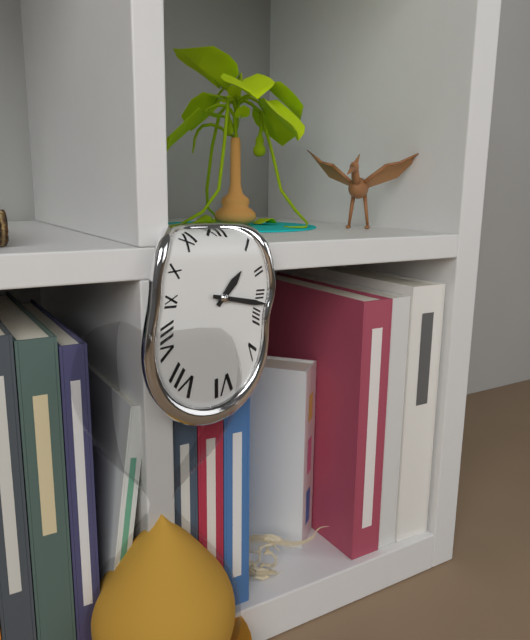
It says 1.17
